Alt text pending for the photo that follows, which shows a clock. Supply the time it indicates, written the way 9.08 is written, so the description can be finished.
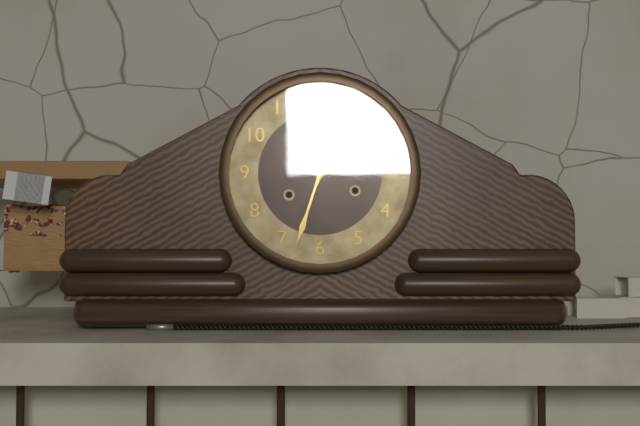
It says 12.33
